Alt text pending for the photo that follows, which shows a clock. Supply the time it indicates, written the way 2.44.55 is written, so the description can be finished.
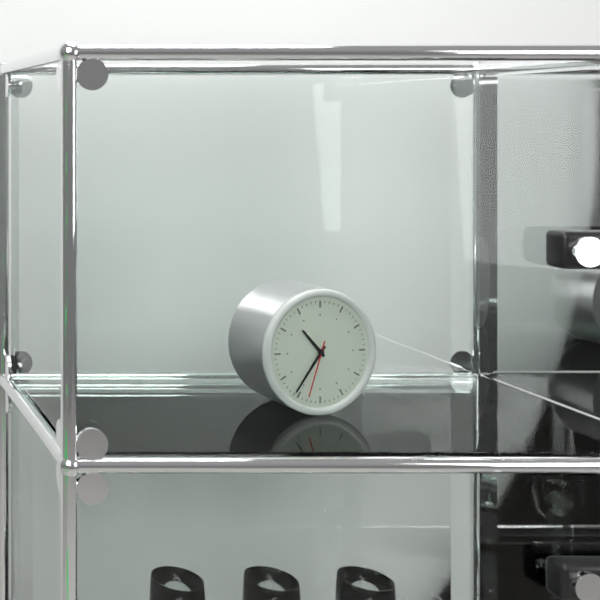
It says 10.36.33
